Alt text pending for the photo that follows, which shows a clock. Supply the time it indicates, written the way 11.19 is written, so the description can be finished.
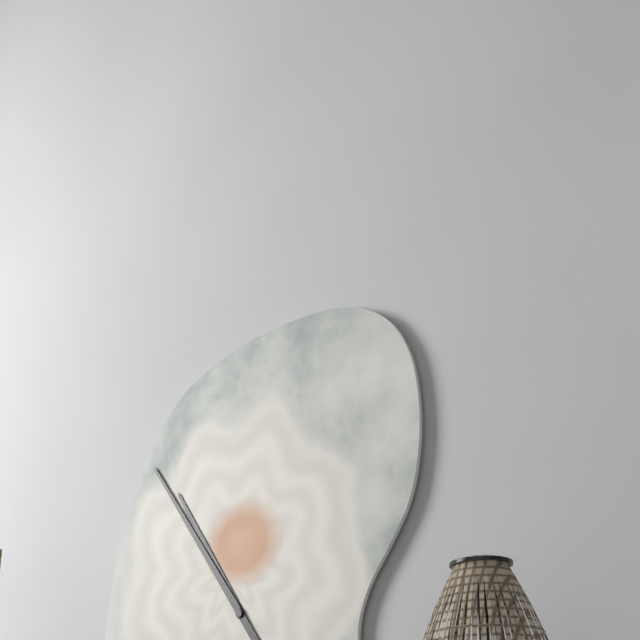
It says 10.54
